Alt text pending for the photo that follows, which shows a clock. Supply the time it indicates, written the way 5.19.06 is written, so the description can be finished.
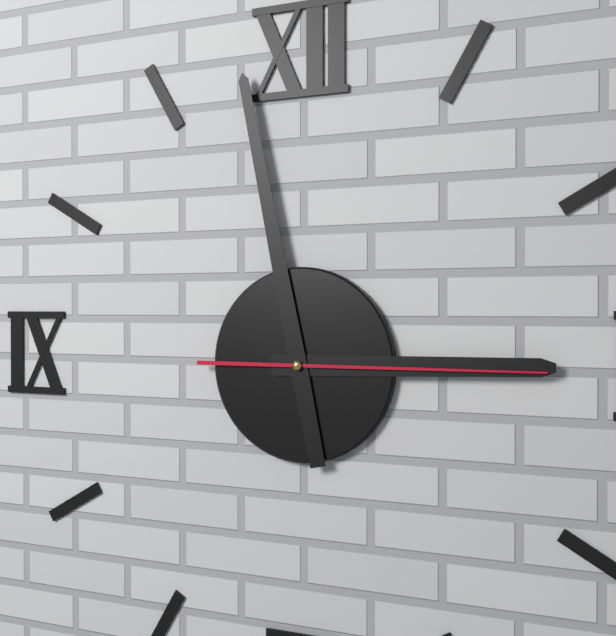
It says 2.58.15
